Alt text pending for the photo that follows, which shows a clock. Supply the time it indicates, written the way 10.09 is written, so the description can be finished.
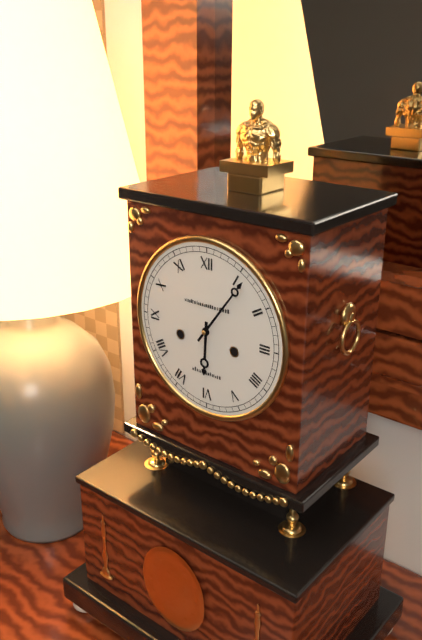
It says 6.06
